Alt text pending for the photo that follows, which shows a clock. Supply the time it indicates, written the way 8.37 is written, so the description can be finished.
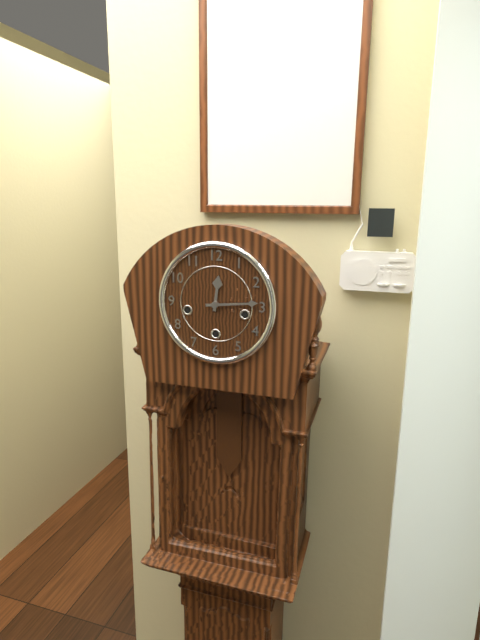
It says 12.14
